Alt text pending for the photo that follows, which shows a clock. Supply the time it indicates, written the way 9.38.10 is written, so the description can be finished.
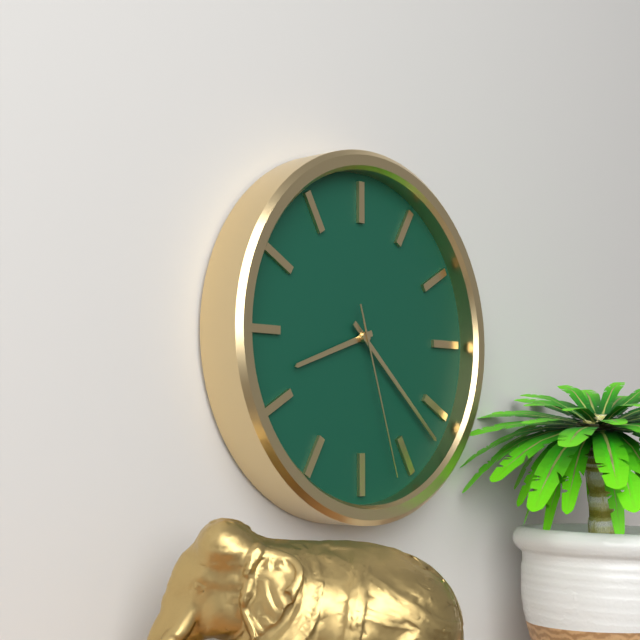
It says 8.22.27
